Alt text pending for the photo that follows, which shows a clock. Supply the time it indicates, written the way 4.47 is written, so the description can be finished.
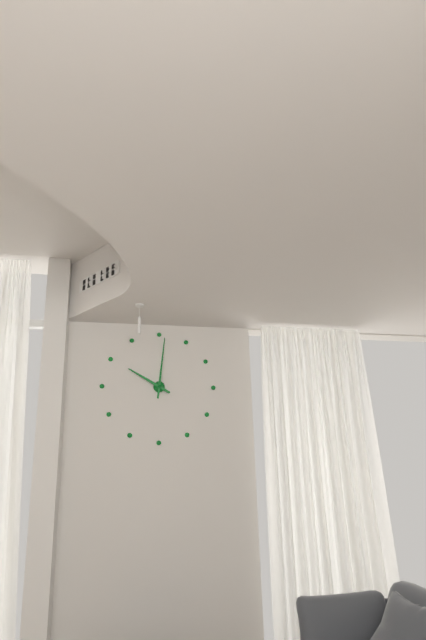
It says 10.01
